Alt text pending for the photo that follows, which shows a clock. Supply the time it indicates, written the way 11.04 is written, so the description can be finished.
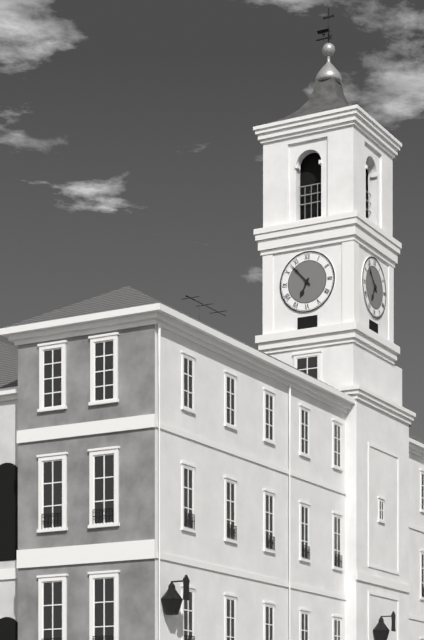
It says 6.53
